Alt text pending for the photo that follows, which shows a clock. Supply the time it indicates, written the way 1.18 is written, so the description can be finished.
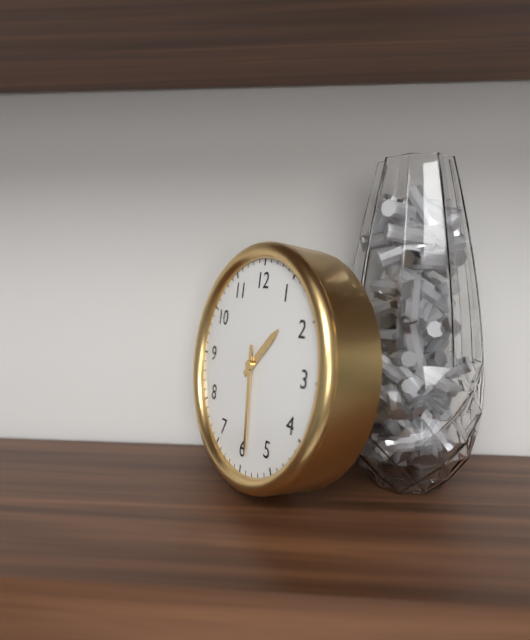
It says 1.29
